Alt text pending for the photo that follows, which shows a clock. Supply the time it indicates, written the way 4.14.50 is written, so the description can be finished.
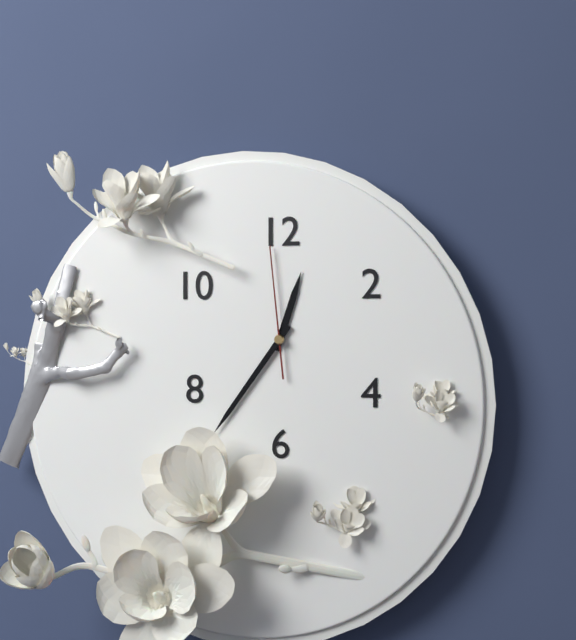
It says 12.36.59
